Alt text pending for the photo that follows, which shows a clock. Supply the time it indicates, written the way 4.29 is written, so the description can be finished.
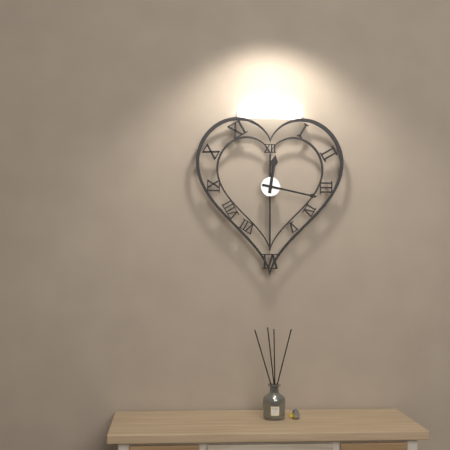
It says 12.17
